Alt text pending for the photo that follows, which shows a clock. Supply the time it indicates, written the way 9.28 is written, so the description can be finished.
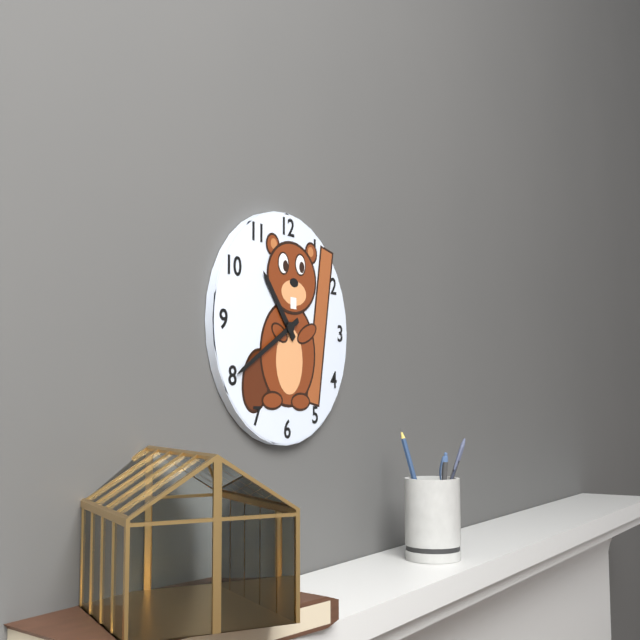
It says 10.40
